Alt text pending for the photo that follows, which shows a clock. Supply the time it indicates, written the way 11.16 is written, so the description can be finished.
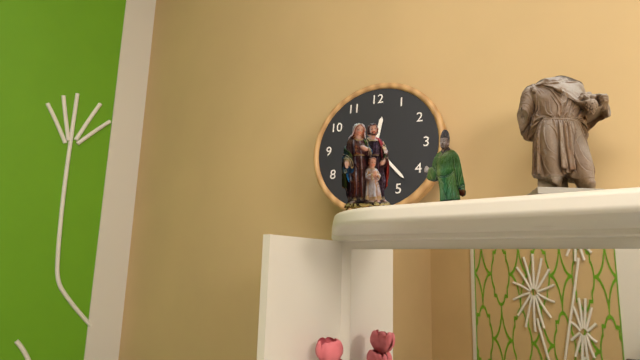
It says 12.23
